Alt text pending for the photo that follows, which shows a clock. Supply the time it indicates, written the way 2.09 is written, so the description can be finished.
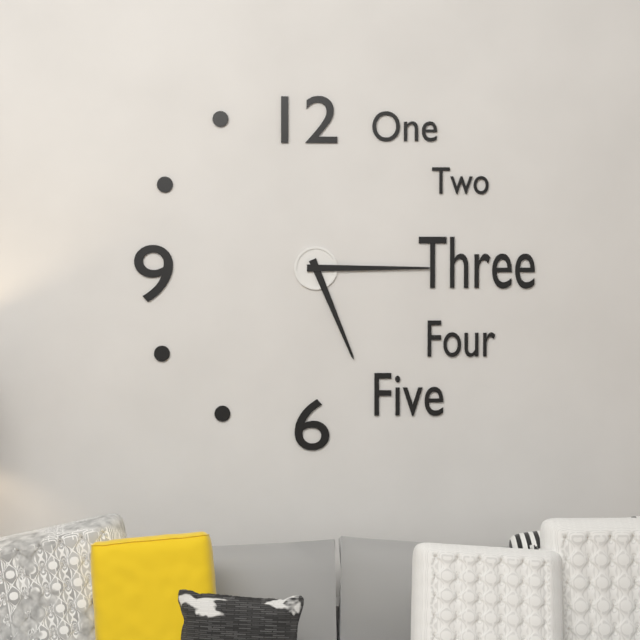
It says 5.15
